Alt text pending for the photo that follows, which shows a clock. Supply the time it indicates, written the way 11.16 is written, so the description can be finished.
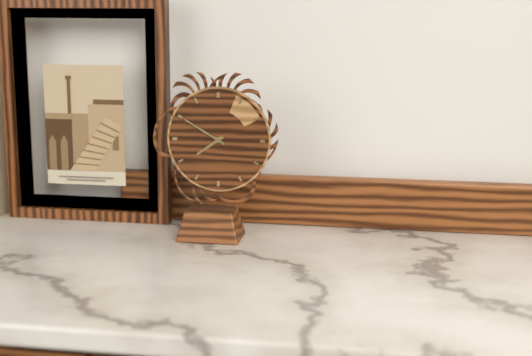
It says 7.50
